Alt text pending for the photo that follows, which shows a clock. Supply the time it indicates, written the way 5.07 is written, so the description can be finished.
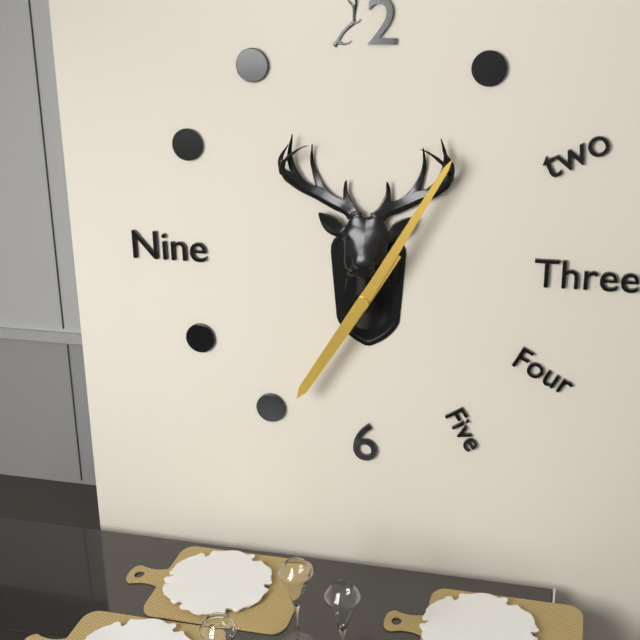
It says 7.05
